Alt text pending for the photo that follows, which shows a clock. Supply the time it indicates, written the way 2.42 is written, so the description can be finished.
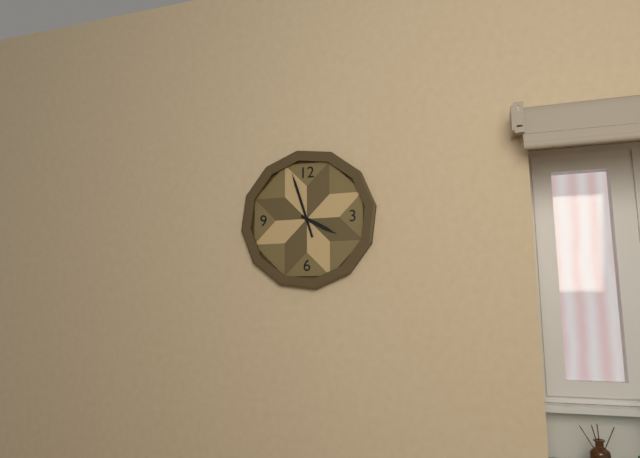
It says 3.57
